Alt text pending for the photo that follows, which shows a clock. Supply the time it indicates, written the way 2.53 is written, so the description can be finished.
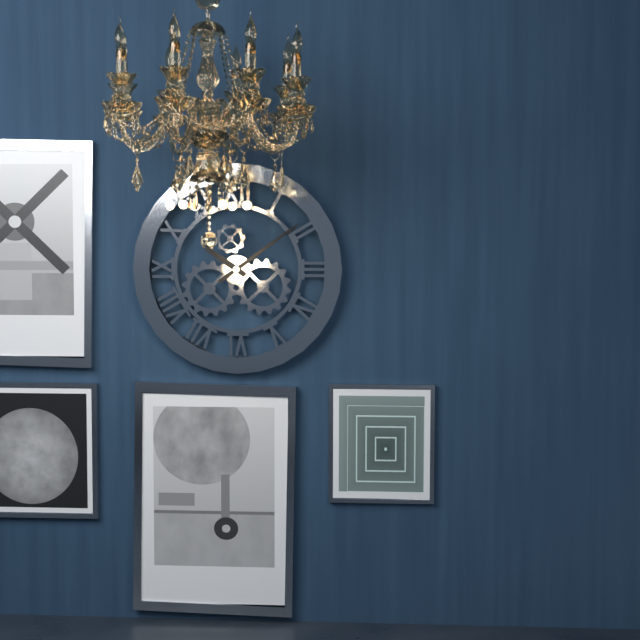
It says 10.09
